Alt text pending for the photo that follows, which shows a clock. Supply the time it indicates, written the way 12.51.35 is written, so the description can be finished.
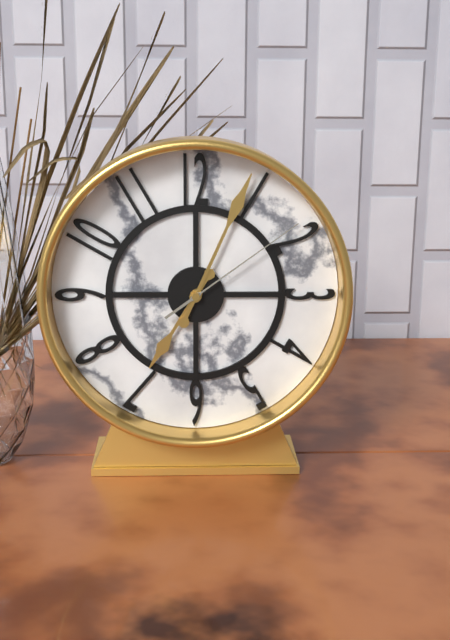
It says 7.04.09
